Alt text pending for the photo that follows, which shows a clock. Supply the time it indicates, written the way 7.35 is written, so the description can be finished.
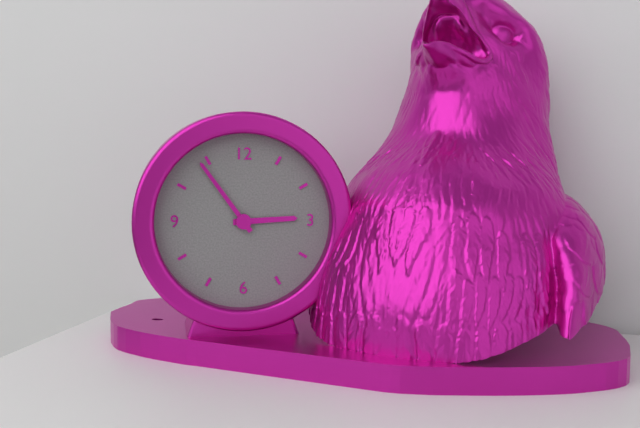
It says 2.54
